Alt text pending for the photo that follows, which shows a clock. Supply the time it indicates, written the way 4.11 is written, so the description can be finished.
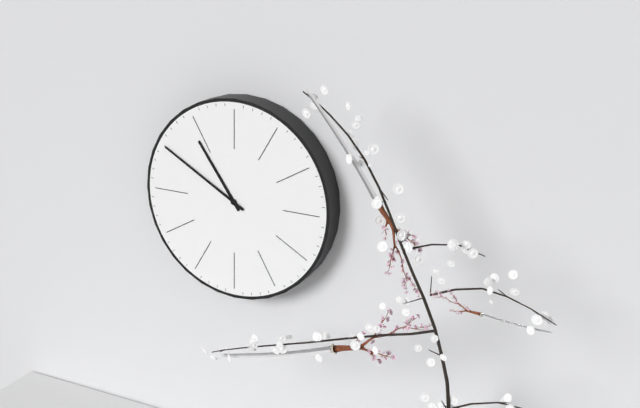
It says 10.50
